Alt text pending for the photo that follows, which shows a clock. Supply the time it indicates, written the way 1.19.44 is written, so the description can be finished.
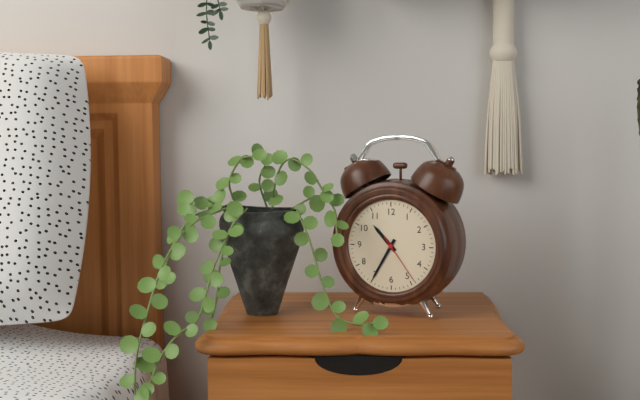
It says 10.35.24
